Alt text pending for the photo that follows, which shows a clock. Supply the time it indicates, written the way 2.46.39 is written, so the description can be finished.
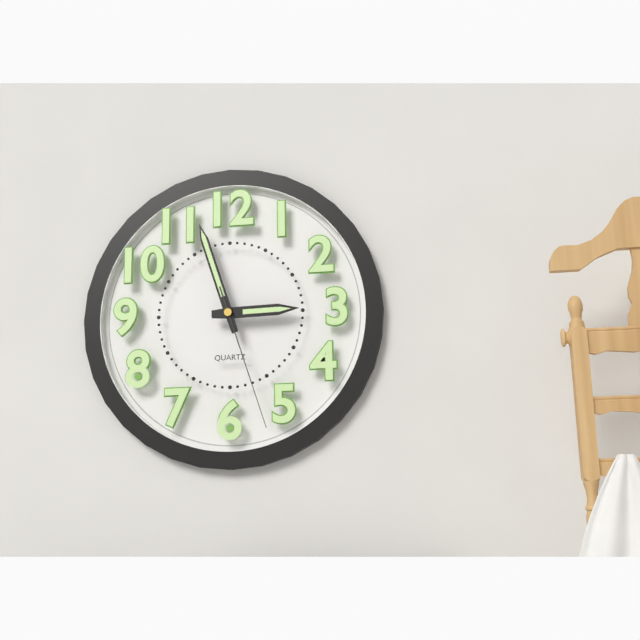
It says 2.57.27
